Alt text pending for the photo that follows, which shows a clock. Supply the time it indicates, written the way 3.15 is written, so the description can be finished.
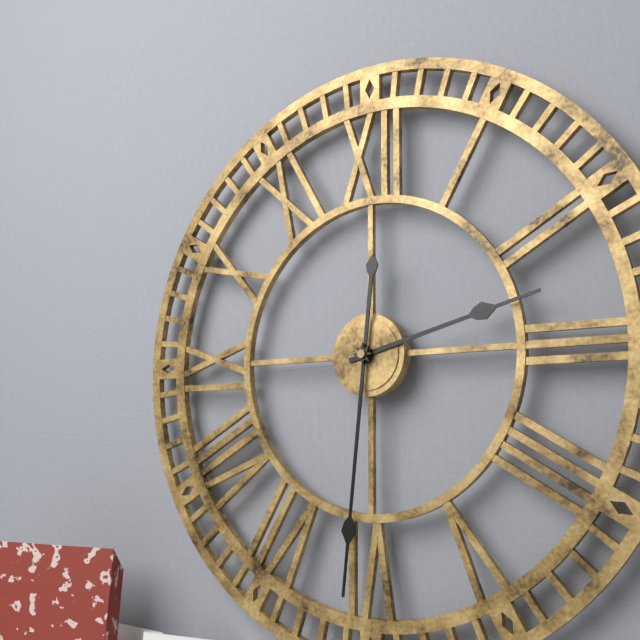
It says 2.31
